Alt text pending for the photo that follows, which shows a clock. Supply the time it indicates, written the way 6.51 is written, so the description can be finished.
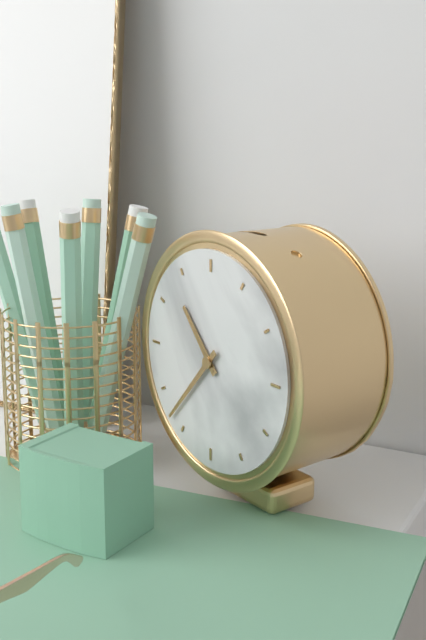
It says 10.37
